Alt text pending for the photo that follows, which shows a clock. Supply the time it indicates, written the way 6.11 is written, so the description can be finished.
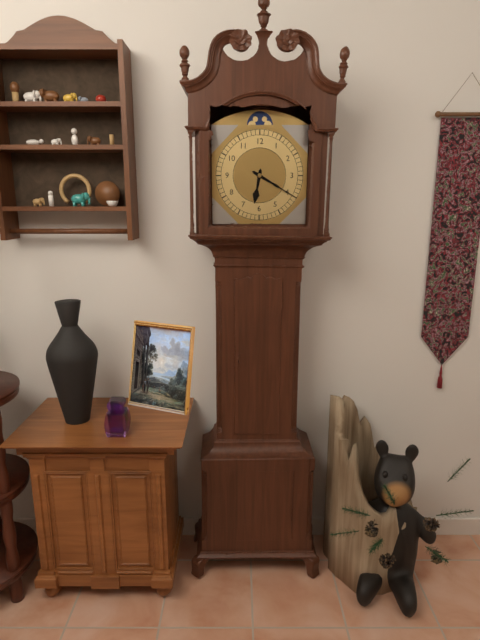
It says 6.20
